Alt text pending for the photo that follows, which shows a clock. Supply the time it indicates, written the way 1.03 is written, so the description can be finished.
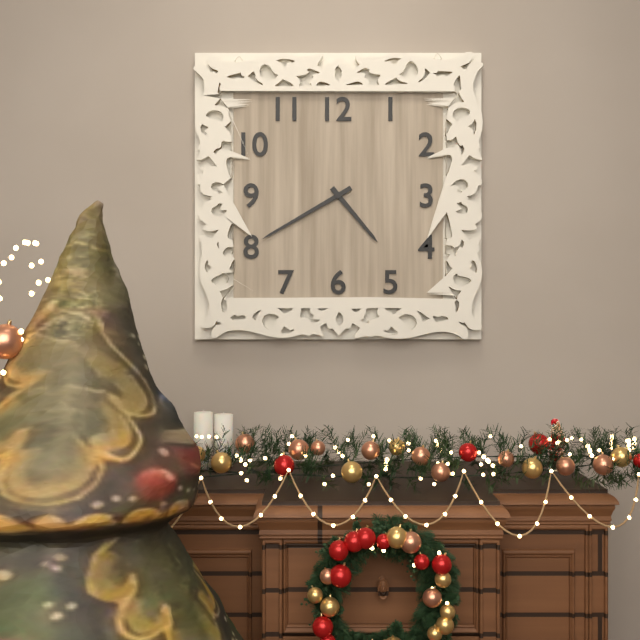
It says 4.40
